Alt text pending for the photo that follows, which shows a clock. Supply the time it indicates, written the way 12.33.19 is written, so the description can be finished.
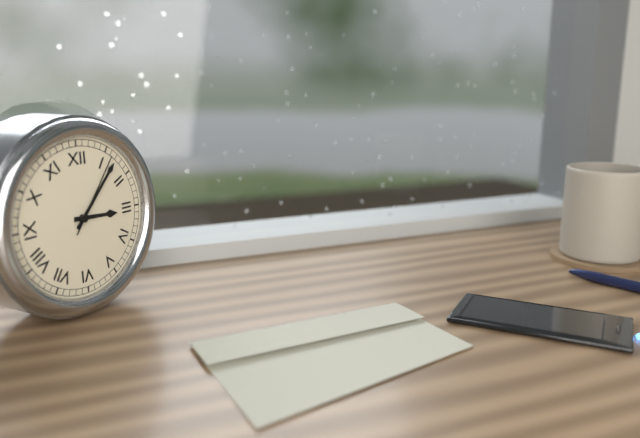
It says 3.07.06
